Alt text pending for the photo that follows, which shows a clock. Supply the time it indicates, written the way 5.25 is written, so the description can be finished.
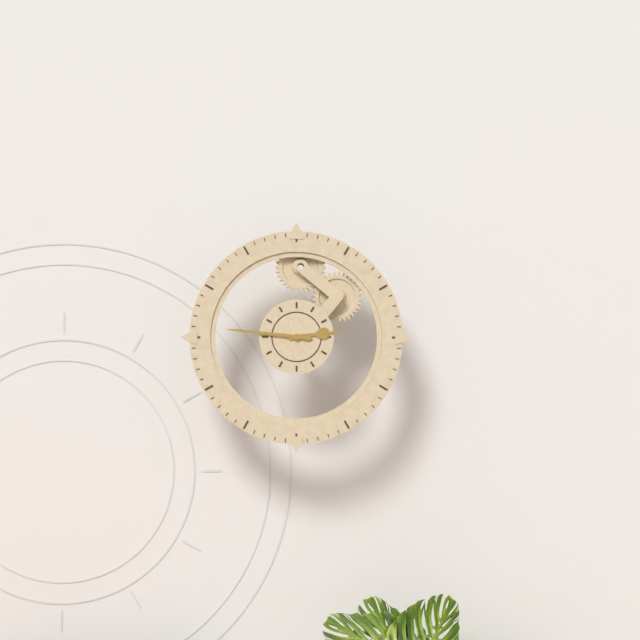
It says 2.46
